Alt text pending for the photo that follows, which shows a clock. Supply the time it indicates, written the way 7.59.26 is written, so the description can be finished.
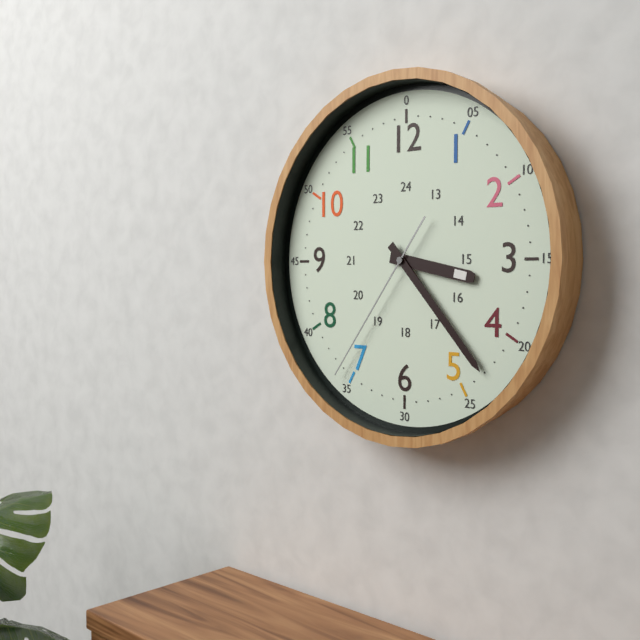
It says 3.23.36
